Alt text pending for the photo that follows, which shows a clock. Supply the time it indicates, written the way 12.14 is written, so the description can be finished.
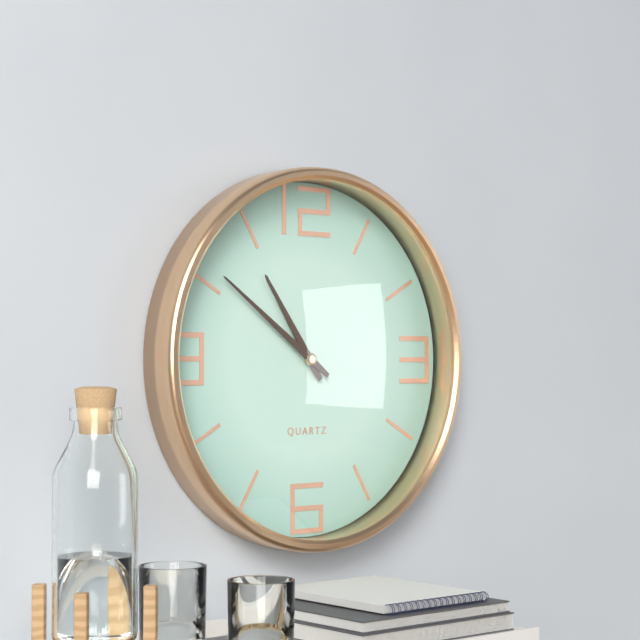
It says 10.51
